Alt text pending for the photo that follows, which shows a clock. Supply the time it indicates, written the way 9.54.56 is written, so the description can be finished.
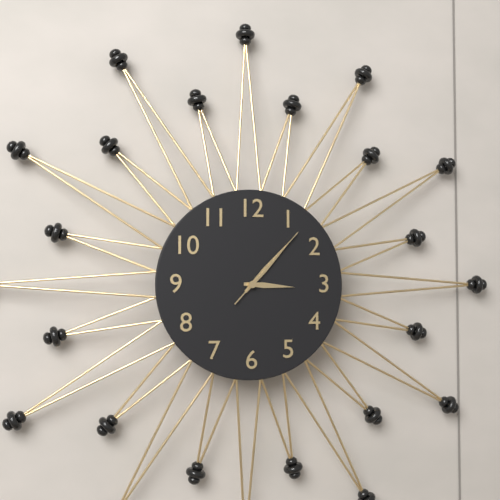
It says 3.07.07
